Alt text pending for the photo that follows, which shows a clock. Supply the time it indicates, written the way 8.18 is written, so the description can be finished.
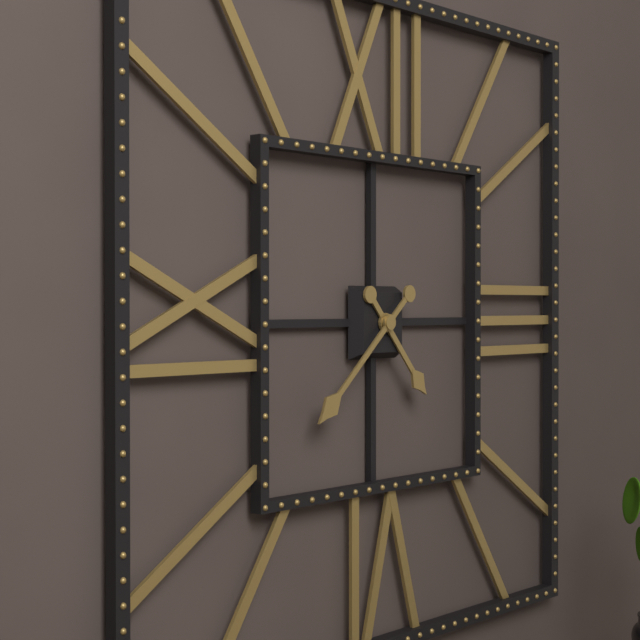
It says 4.38
